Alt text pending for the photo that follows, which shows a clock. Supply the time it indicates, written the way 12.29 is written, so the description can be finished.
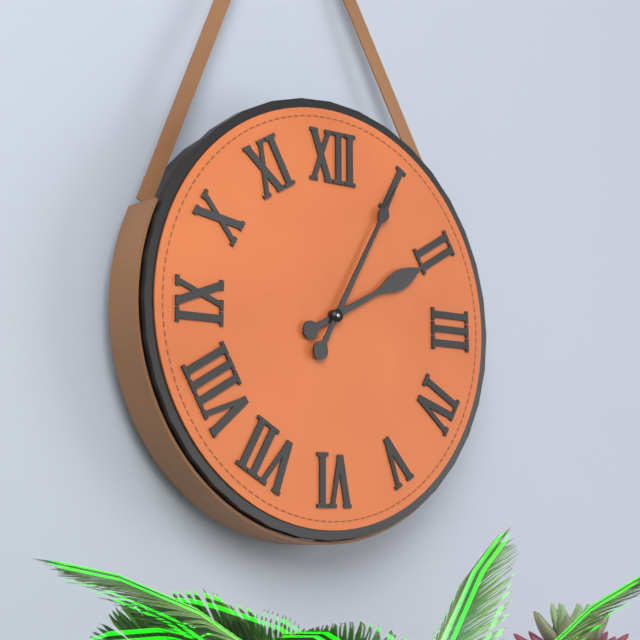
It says 2.05
